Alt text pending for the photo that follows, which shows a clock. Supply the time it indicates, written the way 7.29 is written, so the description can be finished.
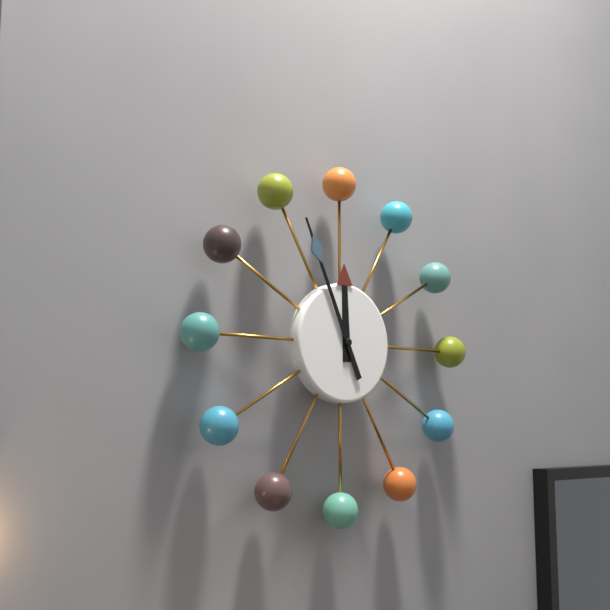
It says 11.56
